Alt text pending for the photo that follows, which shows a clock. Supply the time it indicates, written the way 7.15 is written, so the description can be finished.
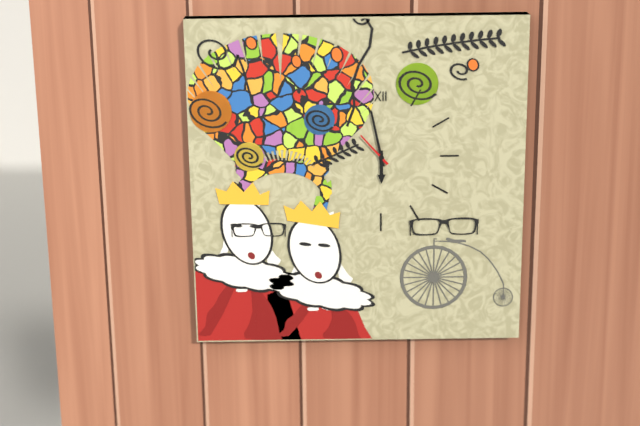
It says 5.58
